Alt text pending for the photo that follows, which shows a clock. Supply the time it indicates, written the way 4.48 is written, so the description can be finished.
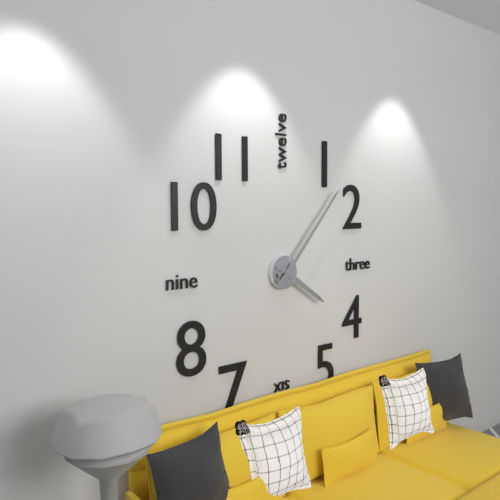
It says 4.07
